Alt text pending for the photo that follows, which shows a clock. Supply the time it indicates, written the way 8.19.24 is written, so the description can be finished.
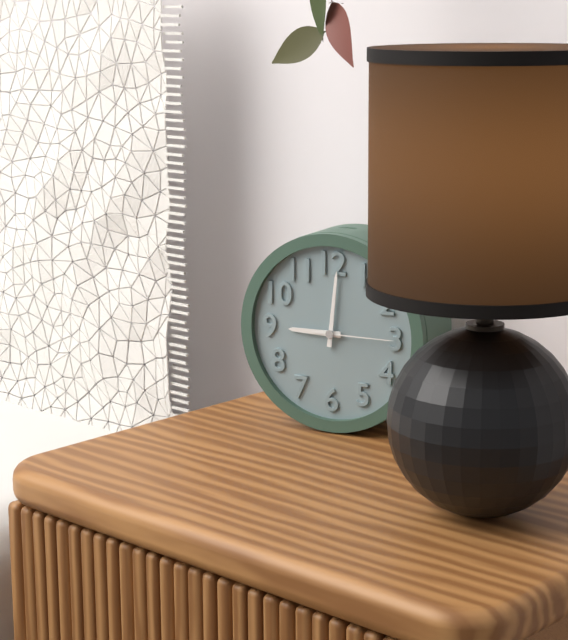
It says 9.01.15
